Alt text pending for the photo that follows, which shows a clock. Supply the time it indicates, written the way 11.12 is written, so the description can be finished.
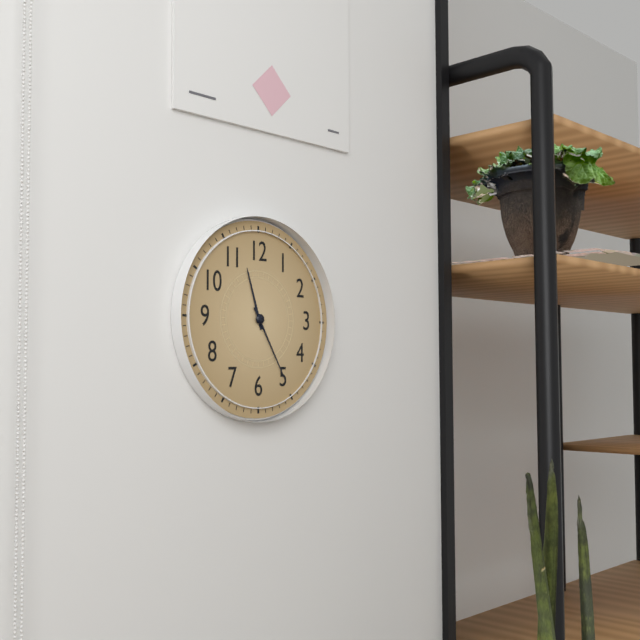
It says 11.25
